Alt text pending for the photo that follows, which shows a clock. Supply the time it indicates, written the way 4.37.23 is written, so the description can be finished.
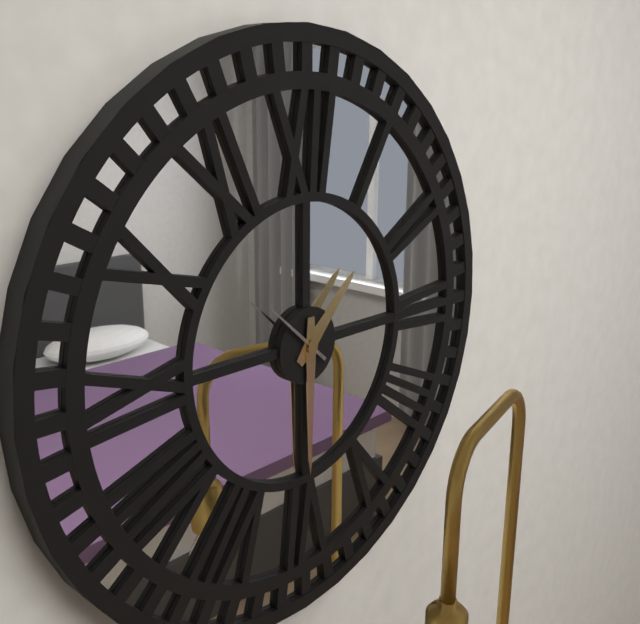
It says 1.30.52
